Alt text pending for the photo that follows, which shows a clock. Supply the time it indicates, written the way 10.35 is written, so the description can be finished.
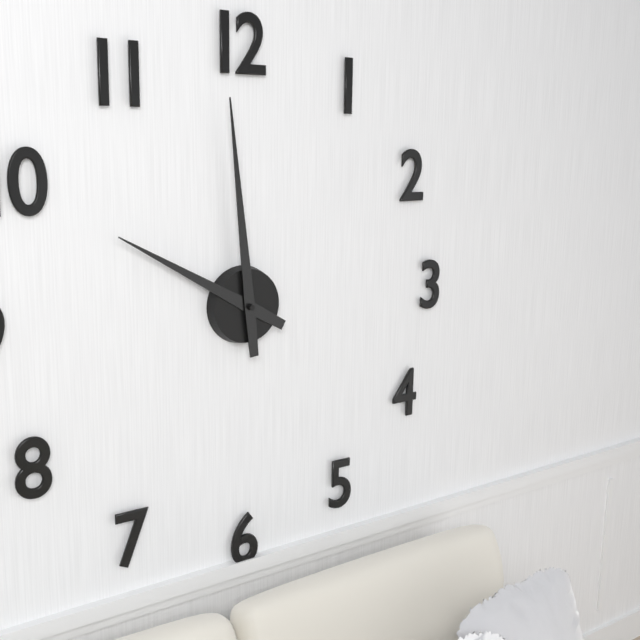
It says 9.59
